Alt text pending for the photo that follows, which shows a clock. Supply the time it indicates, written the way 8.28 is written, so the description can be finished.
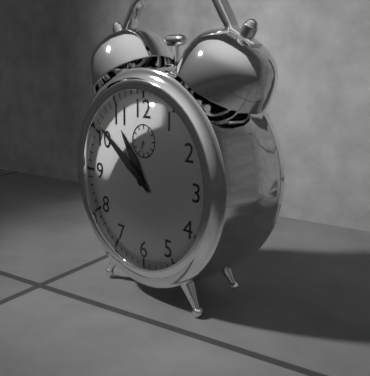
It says 10.51
